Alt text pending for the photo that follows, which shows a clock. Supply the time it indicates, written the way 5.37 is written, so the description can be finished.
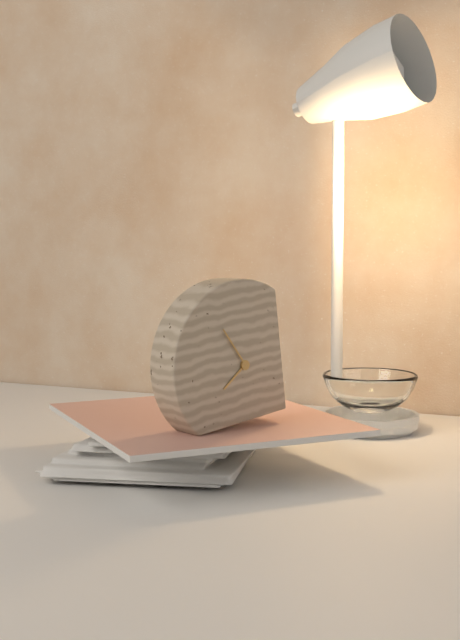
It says 7.55
